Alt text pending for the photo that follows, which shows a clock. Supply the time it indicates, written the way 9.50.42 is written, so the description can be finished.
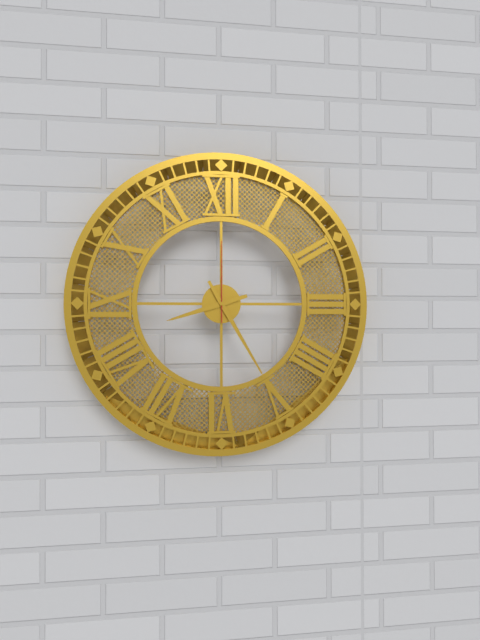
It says 8.25.00
